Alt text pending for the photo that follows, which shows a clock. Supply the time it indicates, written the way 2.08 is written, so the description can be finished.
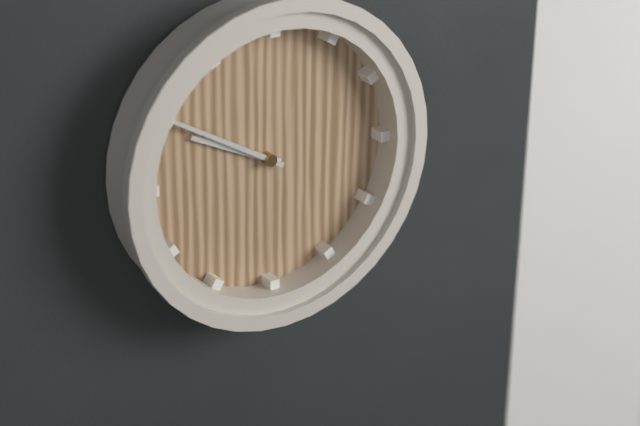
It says 9.50
